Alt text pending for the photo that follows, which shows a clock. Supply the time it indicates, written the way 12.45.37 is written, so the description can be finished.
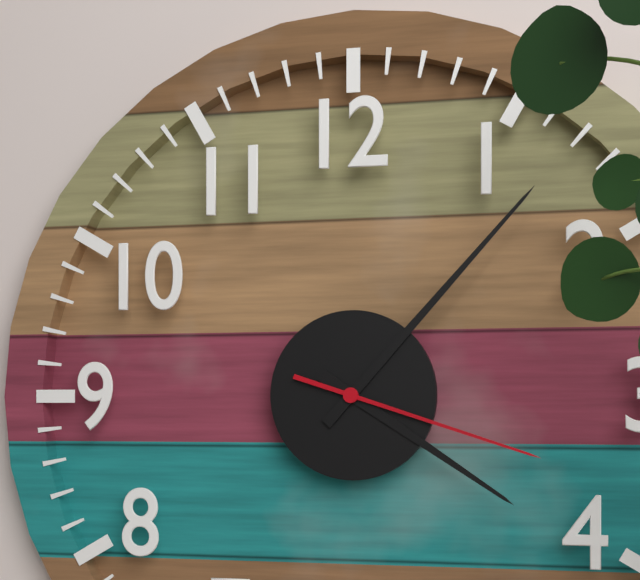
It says 4.07.18
